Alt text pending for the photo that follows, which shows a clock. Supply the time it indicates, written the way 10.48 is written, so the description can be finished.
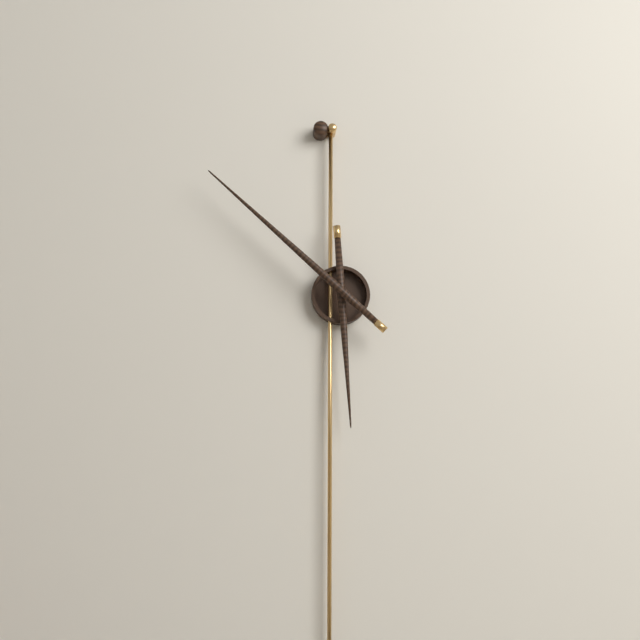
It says 5.52
